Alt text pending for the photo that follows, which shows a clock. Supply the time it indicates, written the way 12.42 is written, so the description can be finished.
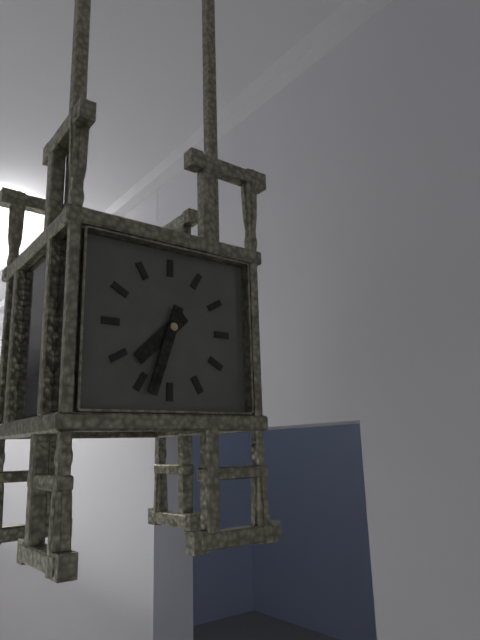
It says 7.33
